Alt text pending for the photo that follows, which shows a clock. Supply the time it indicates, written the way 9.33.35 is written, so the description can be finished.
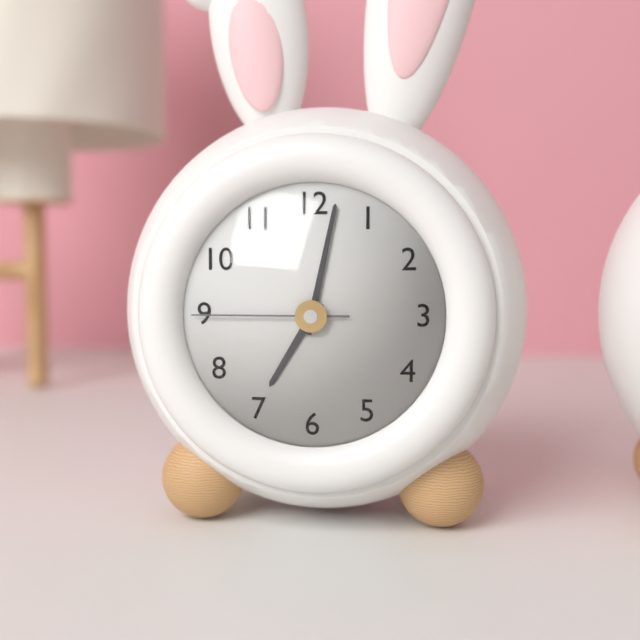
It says 7.02.45
